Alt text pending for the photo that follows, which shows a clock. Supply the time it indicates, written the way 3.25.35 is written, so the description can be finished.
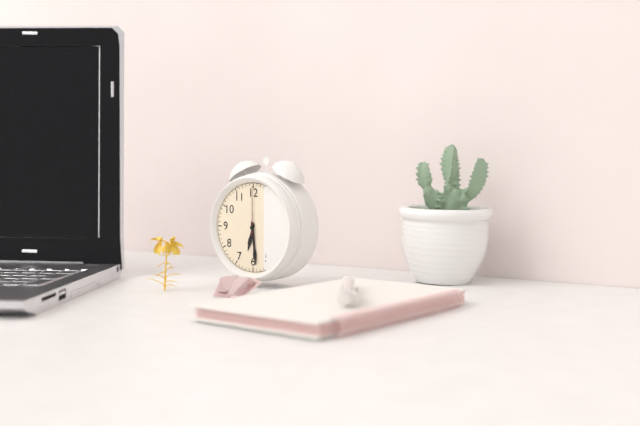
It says 6.29.00
